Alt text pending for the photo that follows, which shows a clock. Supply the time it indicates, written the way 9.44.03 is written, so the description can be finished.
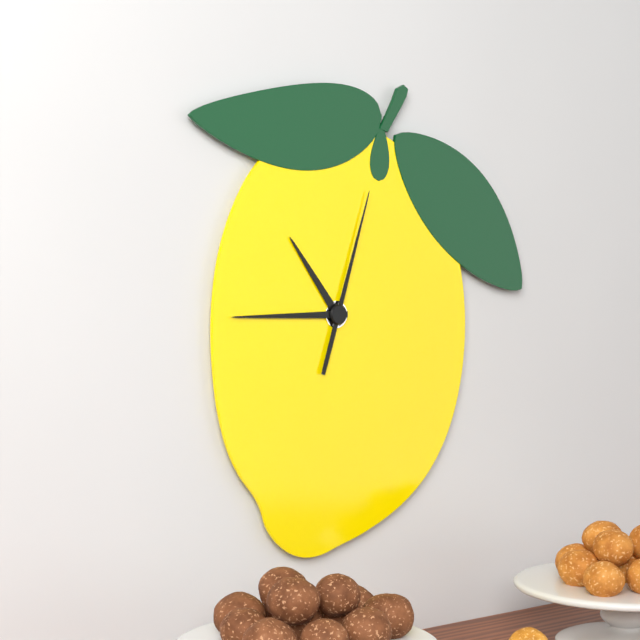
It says 10.45.03
